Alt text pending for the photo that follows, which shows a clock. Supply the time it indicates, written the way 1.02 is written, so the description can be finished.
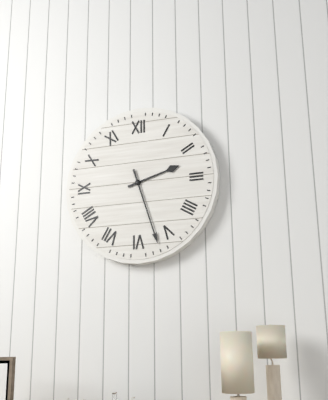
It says 2.27
